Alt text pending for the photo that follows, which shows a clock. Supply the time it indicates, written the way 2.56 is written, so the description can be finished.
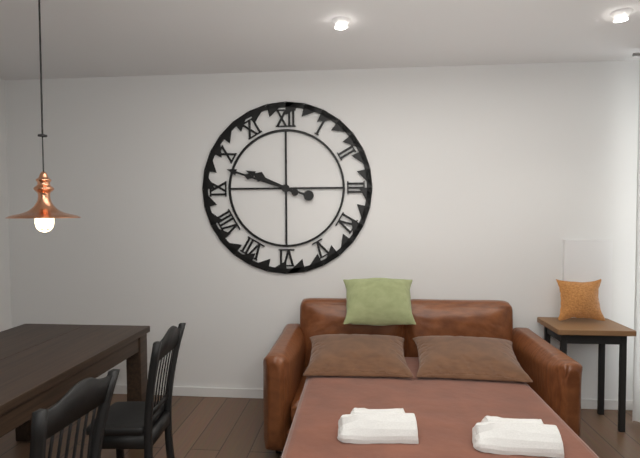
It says 9.48
